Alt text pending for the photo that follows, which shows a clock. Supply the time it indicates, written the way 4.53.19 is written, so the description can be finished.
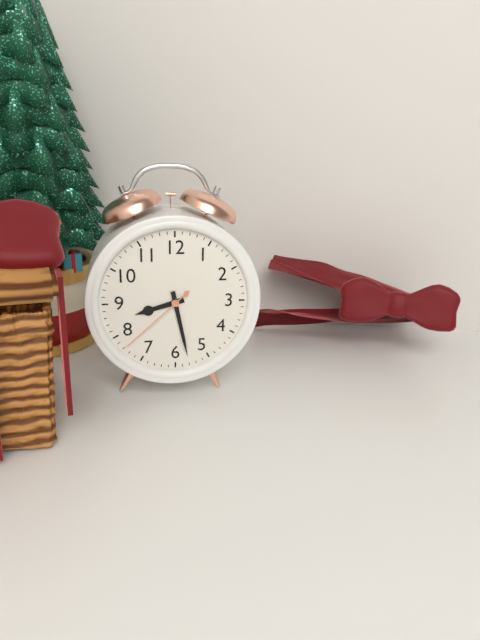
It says 8.28.38
